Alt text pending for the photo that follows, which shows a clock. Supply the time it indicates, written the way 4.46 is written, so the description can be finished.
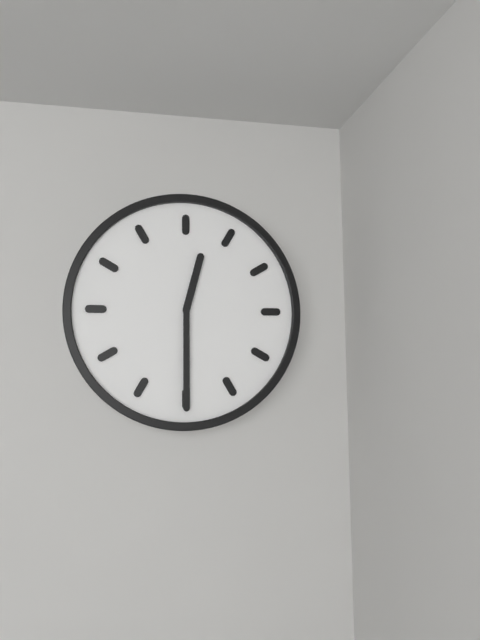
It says 12.30
